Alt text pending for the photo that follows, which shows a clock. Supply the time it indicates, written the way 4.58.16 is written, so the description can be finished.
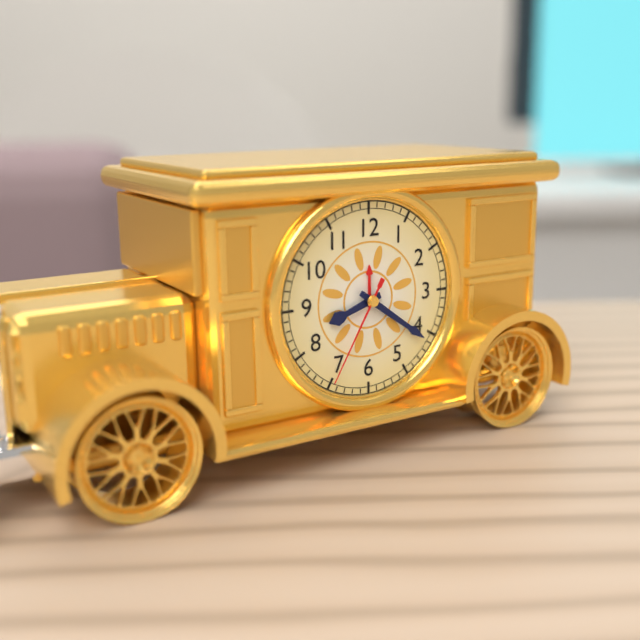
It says 8.21.35
